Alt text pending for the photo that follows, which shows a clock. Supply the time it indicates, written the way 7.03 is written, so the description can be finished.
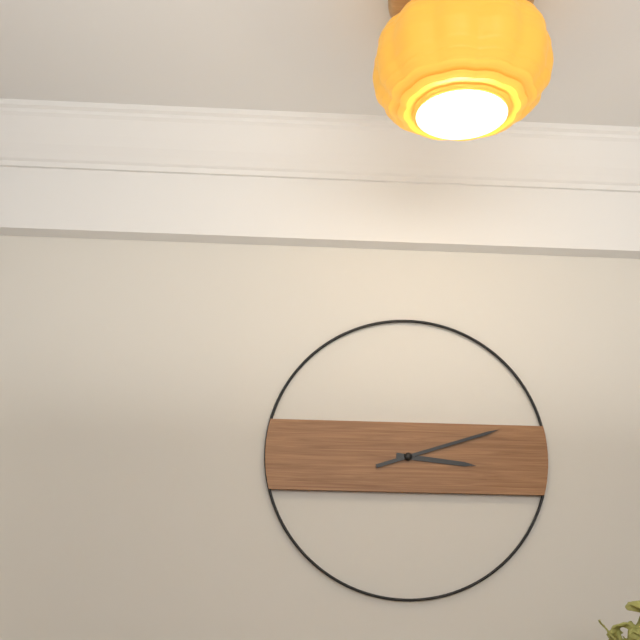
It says 3.12
